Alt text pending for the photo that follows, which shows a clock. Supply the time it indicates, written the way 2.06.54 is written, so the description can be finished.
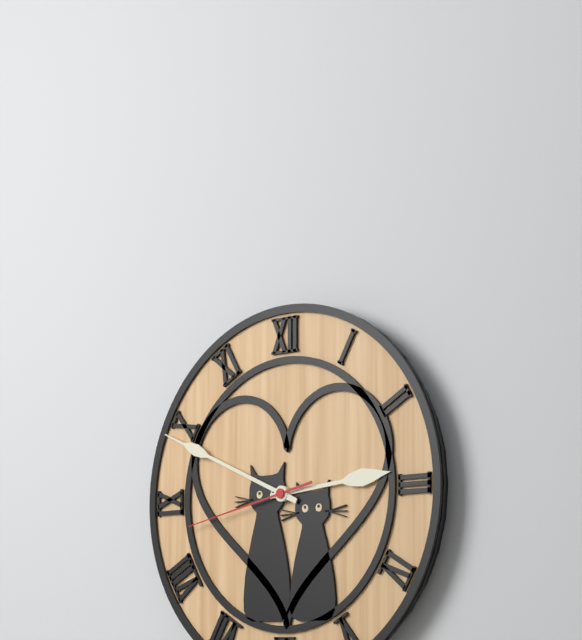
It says 2.49.43
